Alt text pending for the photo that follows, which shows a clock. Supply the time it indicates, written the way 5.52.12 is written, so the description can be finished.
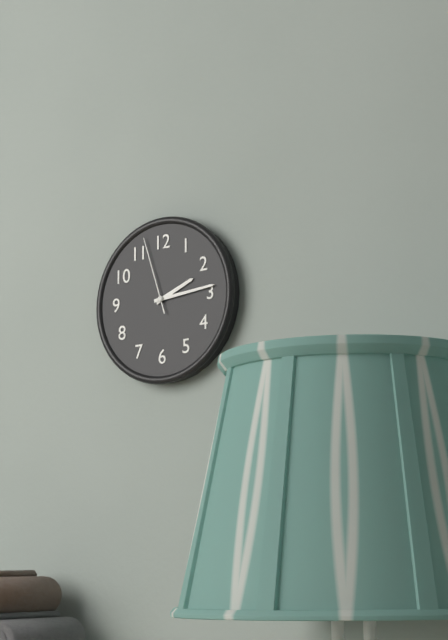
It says 2.14.57
